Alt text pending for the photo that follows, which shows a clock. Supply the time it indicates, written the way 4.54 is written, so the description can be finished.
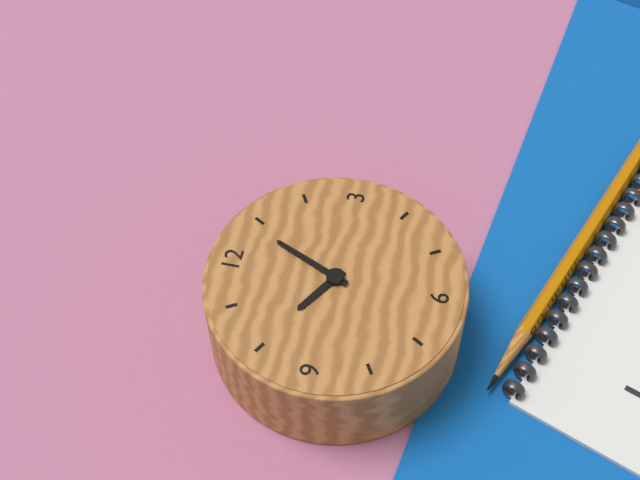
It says 10.04
